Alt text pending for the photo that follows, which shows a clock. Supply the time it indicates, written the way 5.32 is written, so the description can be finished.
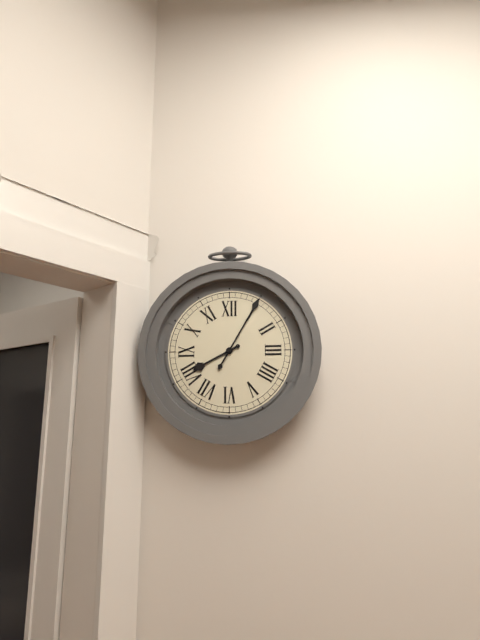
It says 8.05
